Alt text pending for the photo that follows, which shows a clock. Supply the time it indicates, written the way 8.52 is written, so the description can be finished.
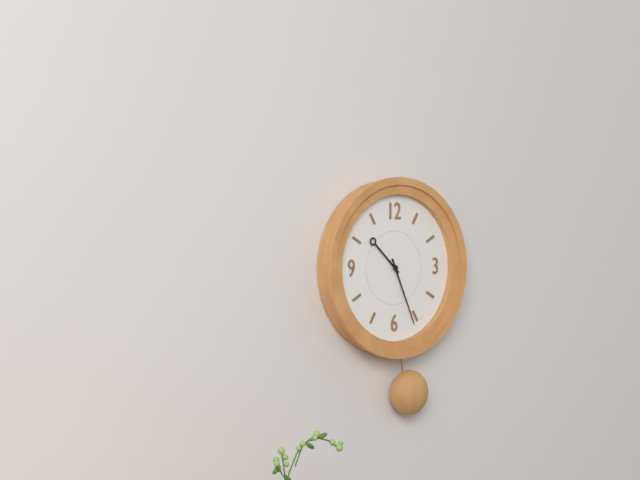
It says 10.26
